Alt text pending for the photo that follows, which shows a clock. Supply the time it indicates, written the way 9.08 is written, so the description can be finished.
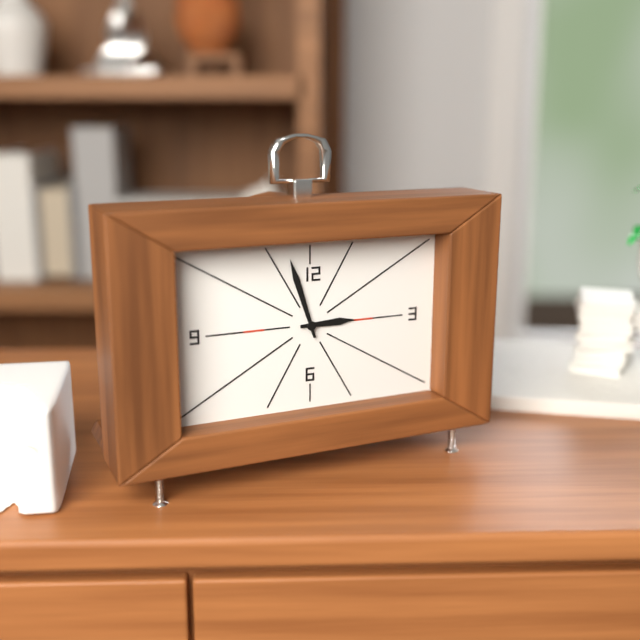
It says 2.57
